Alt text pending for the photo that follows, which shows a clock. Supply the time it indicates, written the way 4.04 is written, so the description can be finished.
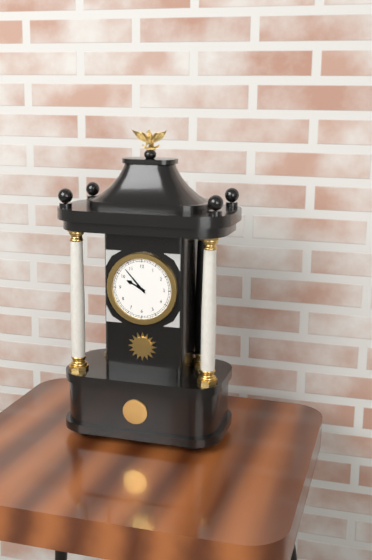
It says 9.53
